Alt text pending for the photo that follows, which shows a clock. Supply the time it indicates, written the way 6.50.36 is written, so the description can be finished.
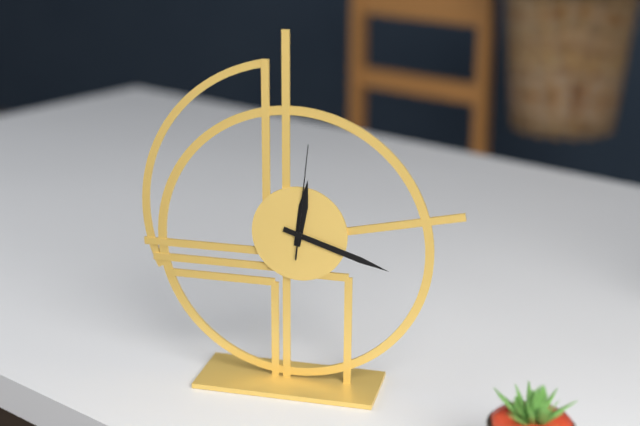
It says 12.18.01
